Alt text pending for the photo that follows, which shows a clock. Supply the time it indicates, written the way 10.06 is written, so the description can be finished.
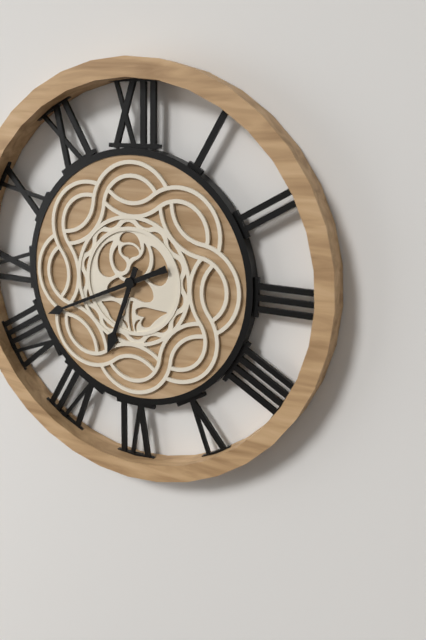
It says 6.41
